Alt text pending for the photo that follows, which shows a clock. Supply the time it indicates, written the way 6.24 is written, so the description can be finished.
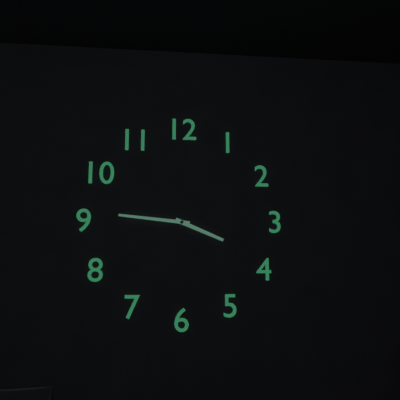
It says 3.46
